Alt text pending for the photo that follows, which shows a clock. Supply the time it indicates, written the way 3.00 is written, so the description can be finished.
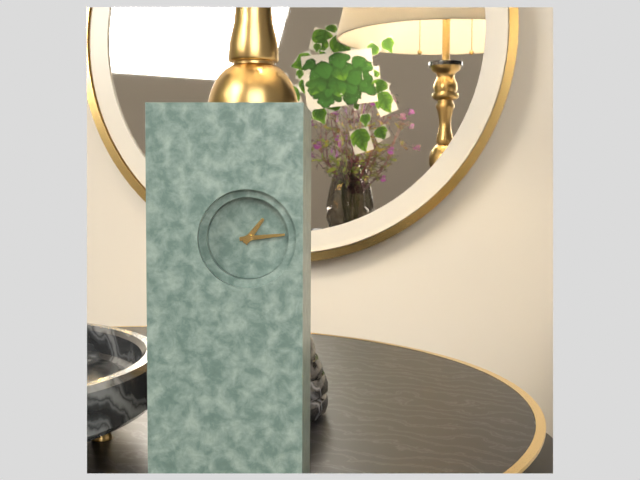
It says 1.14
